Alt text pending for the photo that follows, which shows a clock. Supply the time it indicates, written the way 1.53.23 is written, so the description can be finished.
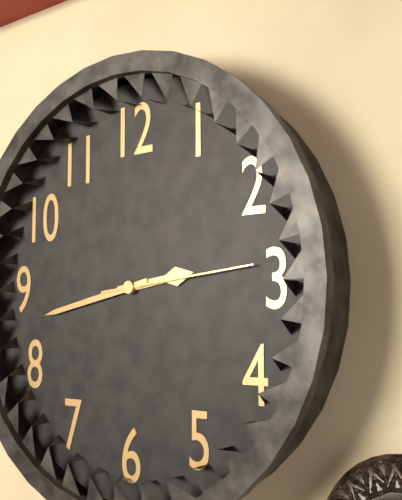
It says 2.43.14
